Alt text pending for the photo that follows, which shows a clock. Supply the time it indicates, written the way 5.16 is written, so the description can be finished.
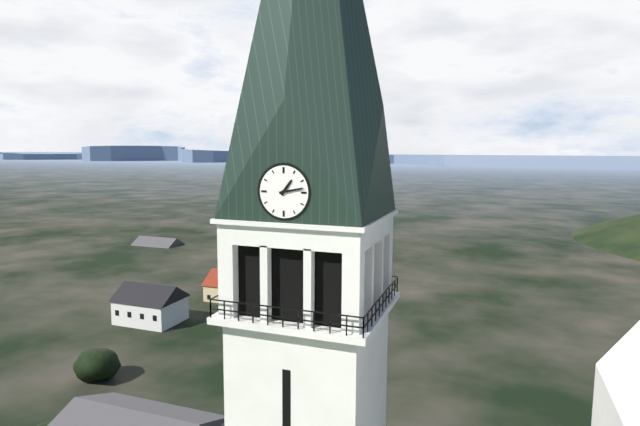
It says 1.13
